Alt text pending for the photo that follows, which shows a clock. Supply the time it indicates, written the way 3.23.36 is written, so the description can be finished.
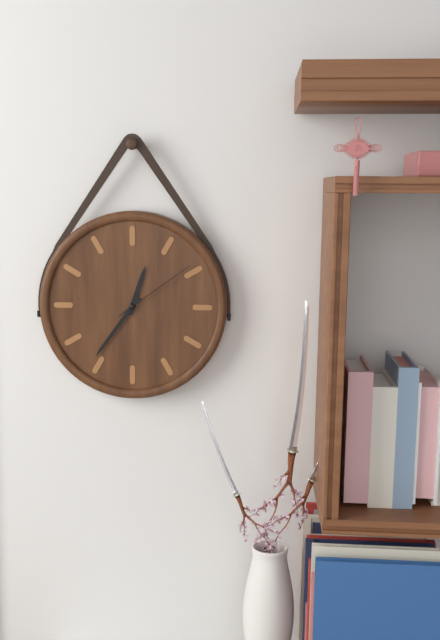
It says 12.36.09
